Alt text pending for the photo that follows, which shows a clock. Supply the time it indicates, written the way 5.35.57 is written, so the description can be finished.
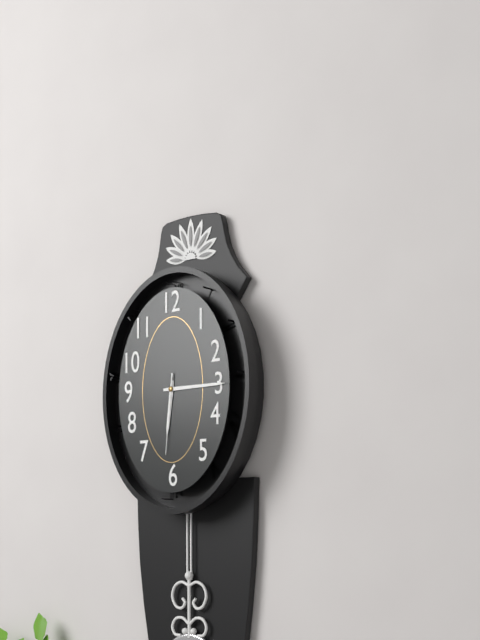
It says 6.15.31
